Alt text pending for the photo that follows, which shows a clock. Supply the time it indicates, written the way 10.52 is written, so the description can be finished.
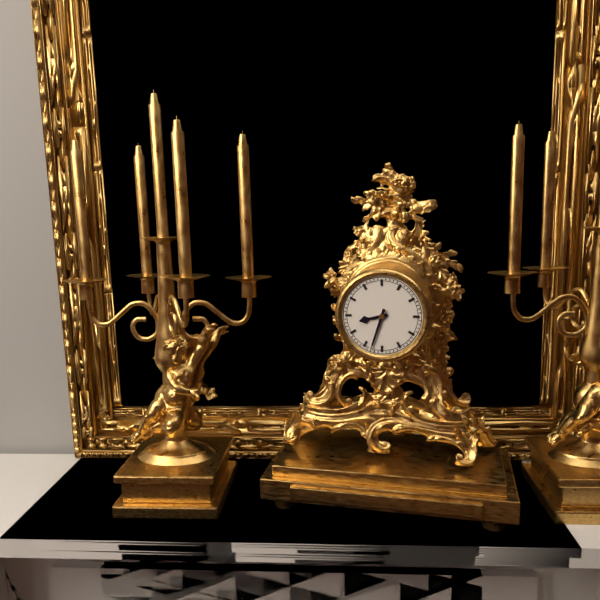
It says 8.33
